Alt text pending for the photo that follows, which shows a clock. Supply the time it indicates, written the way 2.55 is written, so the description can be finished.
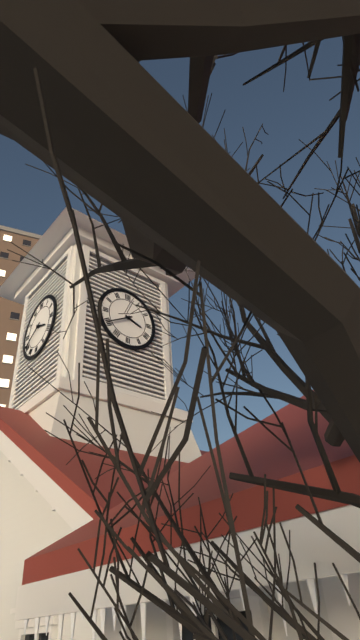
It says 3.40
